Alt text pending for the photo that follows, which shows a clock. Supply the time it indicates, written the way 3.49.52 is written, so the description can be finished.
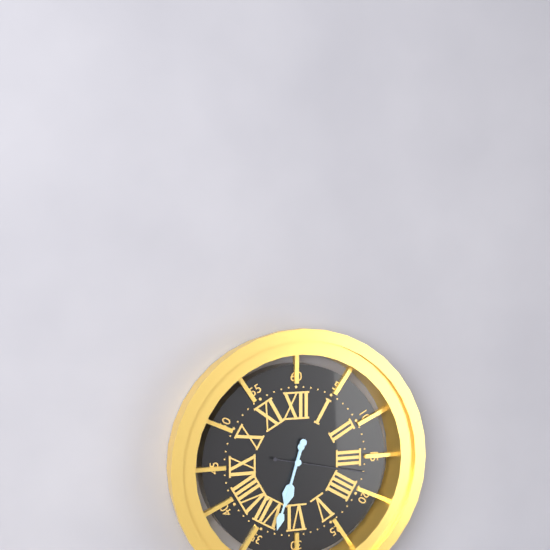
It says 6.33.17
